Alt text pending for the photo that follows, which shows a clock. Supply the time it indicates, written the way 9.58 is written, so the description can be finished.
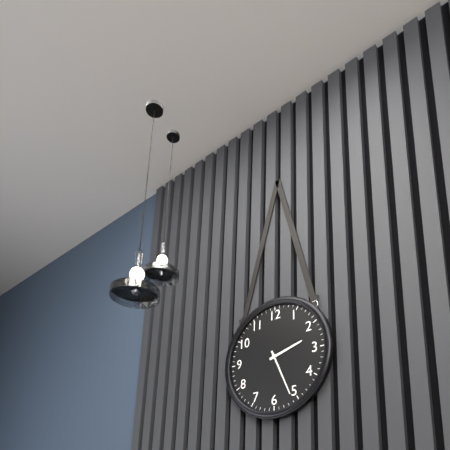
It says 2.26
